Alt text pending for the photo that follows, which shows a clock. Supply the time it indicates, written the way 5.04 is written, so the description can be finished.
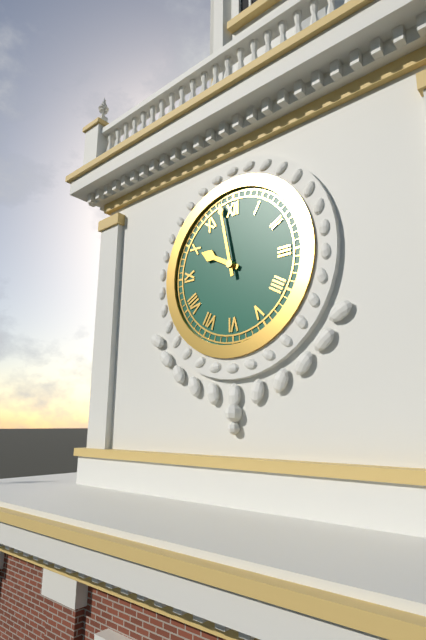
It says 9.58
